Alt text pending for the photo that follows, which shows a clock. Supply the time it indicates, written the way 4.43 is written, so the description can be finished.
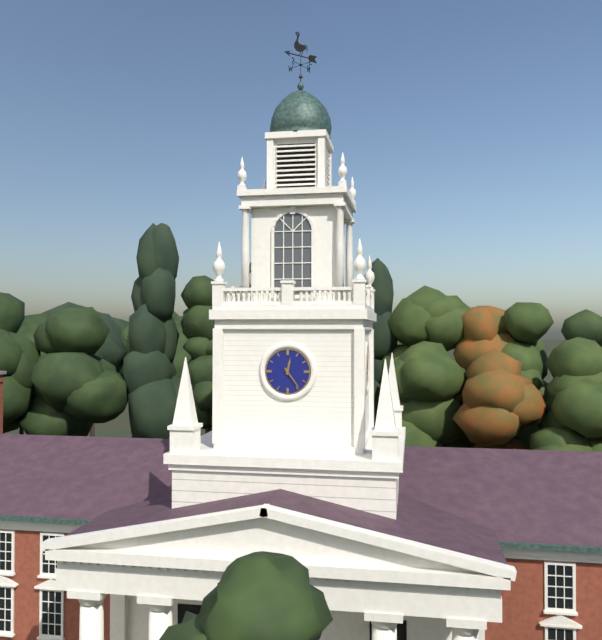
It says 12.24
